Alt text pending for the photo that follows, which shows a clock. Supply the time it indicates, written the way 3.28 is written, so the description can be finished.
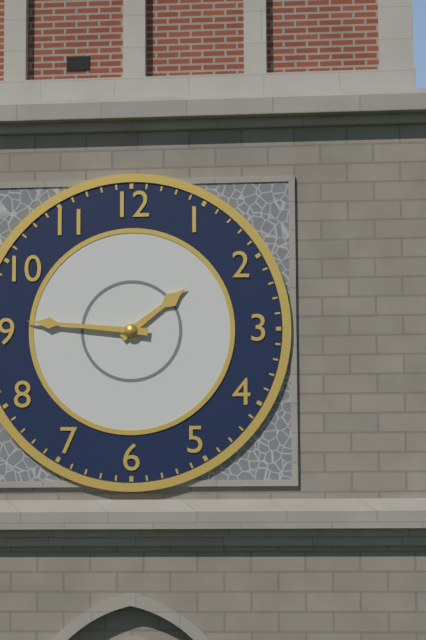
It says 1.46
